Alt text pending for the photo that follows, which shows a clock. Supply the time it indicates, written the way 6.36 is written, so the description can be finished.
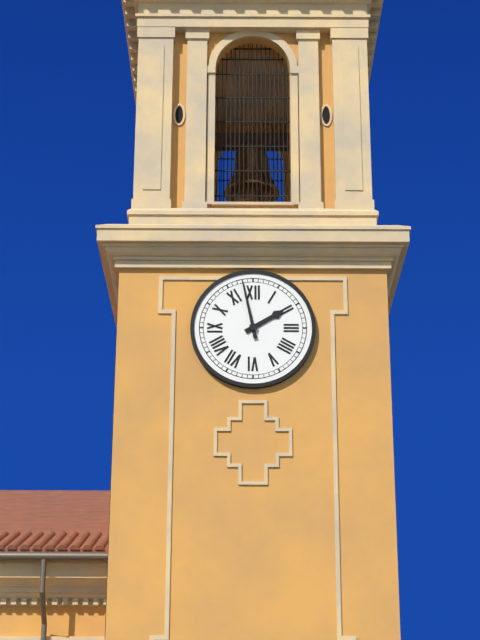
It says 1.58
